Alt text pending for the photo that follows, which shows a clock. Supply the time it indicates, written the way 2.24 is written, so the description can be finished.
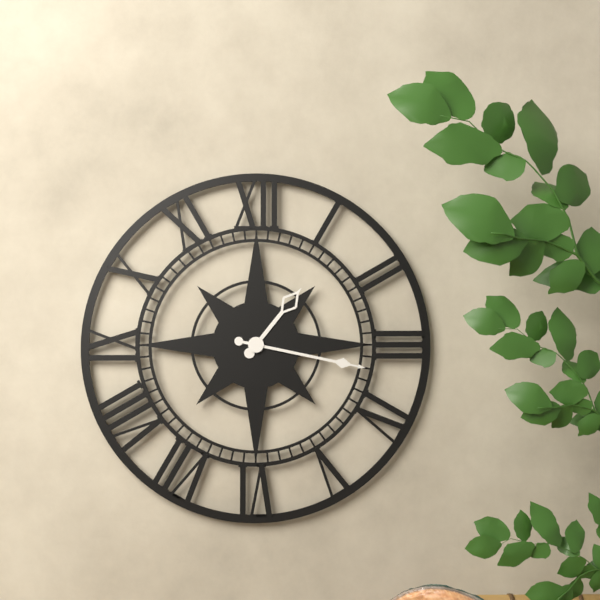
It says 1.17
